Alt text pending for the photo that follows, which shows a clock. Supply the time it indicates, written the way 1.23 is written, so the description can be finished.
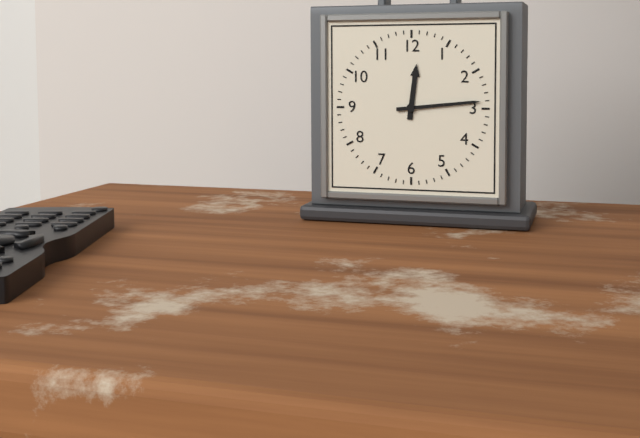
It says 12.14
